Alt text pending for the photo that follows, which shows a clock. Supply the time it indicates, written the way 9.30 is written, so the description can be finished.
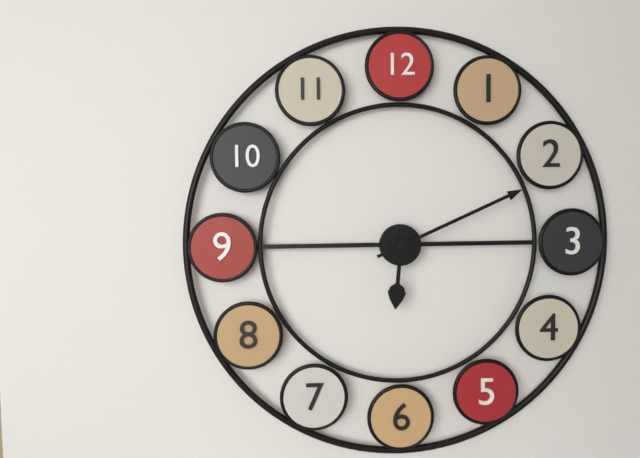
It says 6.11
